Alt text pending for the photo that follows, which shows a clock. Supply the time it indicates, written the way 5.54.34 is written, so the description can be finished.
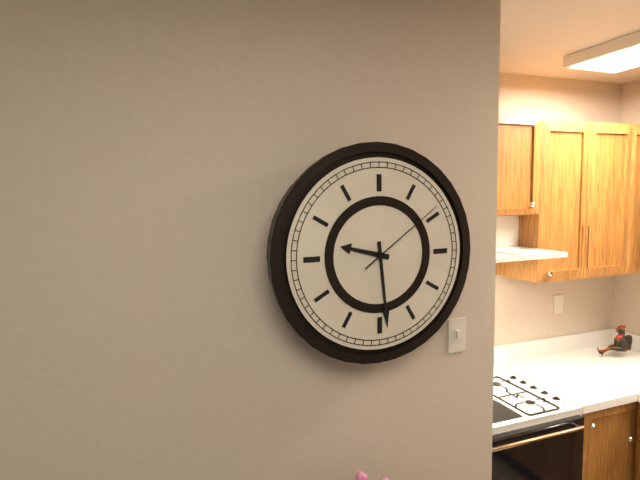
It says 9.29.09
